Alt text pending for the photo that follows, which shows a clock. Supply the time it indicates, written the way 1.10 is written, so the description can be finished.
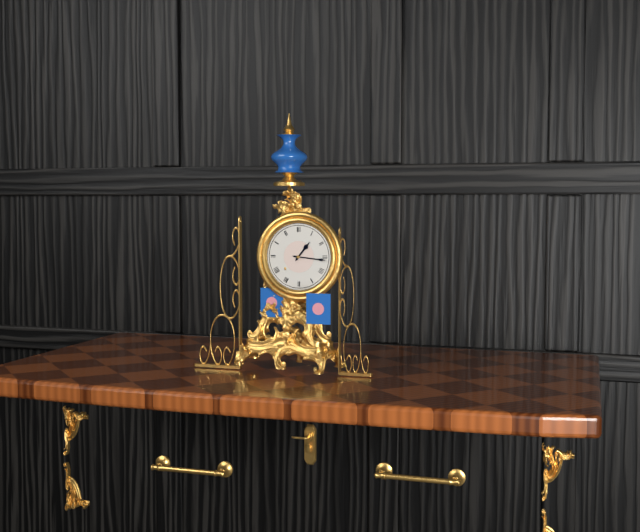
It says 1.16
